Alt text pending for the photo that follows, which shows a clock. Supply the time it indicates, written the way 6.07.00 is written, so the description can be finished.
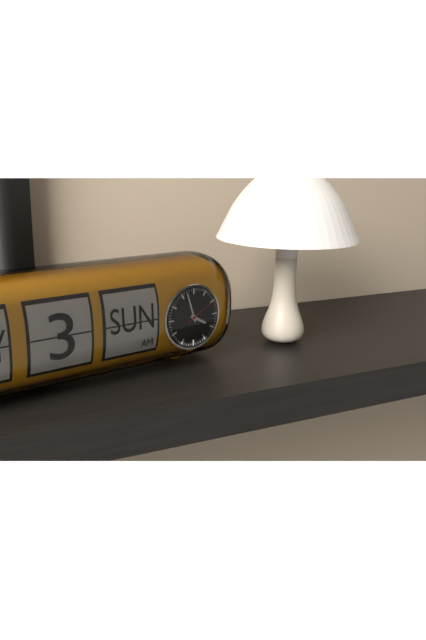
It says 3.57.10
